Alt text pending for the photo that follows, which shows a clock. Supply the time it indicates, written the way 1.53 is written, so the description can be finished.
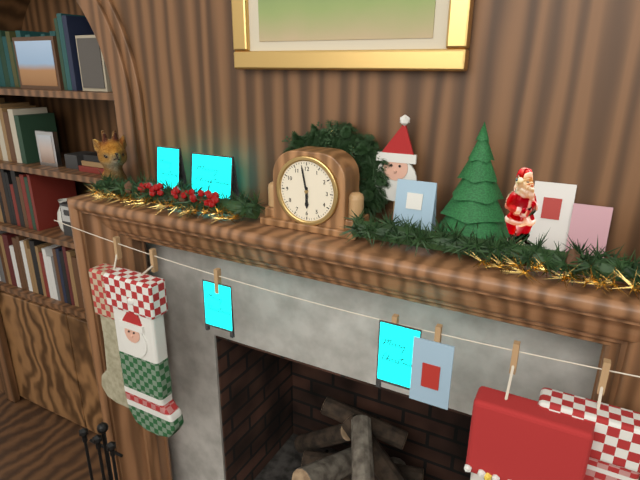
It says 5.58
